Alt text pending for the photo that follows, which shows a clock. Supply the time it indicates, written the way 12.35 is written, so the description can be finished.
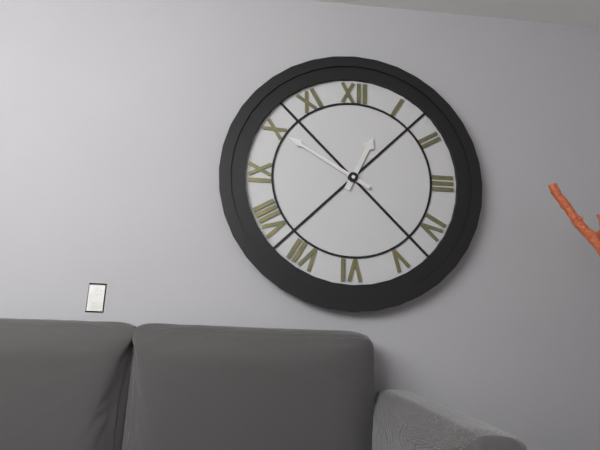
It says 12.50
